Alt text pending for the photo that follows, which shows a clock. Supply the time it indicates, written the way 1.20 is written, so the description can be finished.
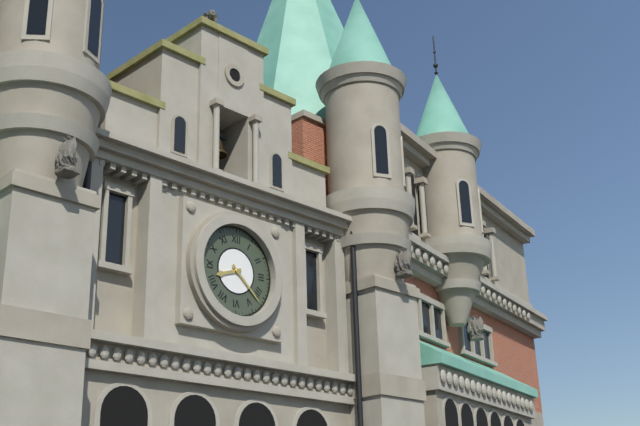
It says 8.22
